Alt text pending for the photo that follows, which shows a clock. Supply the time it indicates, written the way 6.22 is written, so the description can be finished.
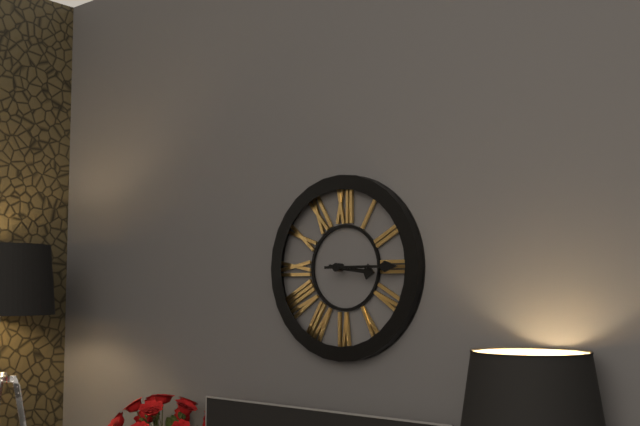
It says 3.15
